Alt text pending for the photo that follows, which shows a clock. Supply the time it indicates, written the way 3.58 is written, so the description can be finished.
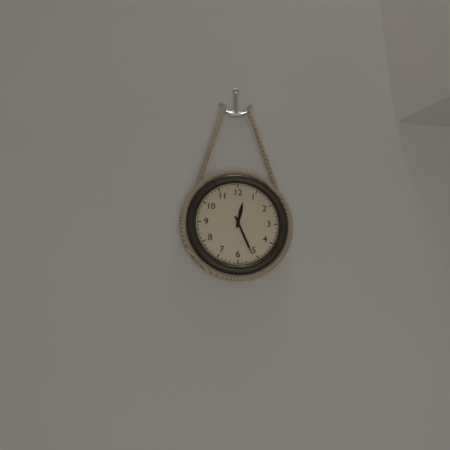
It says 12.26
